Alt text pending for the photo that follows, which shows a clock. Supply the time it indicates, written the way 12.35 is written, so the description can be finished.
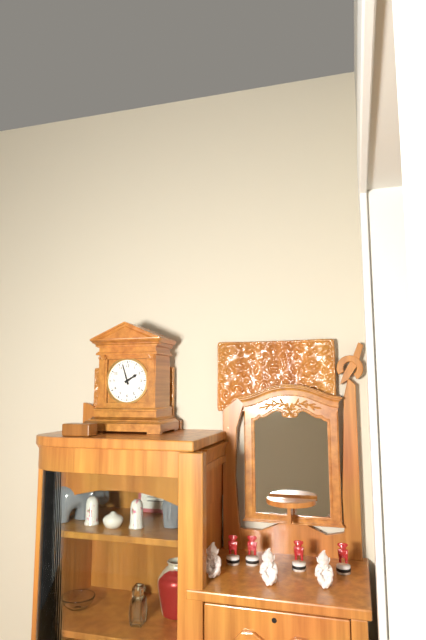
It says 1.57
